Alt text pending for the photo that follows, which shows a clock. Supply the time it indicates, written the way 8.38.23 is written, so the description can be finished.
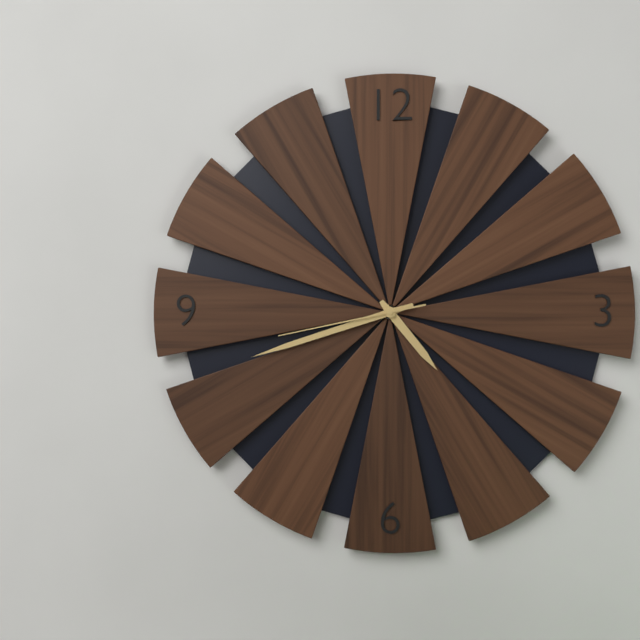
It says 4.42.43
